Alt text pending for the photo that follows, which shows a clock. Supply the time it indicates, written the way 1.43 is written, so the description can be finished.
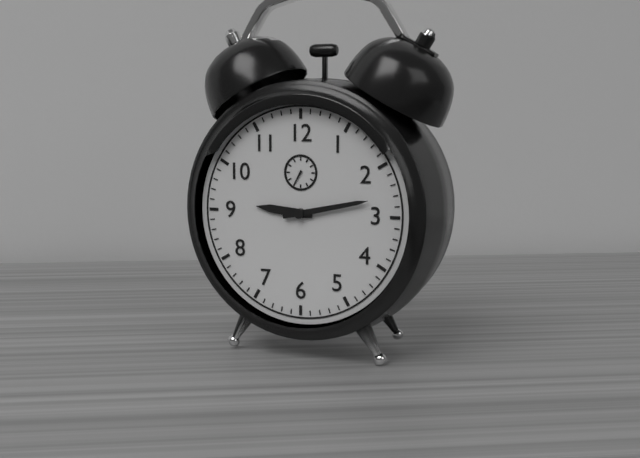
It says 9.13
